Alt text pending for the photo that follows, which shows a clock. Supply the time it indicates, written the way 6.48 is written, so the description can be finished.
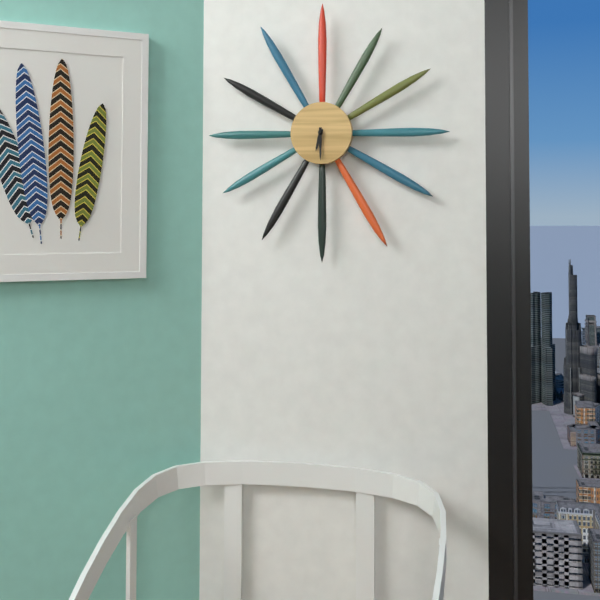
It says 6.30
